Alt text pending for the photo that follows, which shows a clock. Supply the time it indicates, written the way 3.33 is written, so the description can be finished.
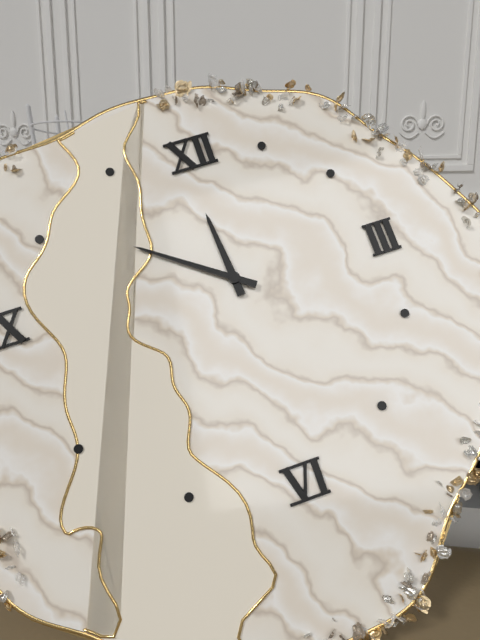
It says 11.51
